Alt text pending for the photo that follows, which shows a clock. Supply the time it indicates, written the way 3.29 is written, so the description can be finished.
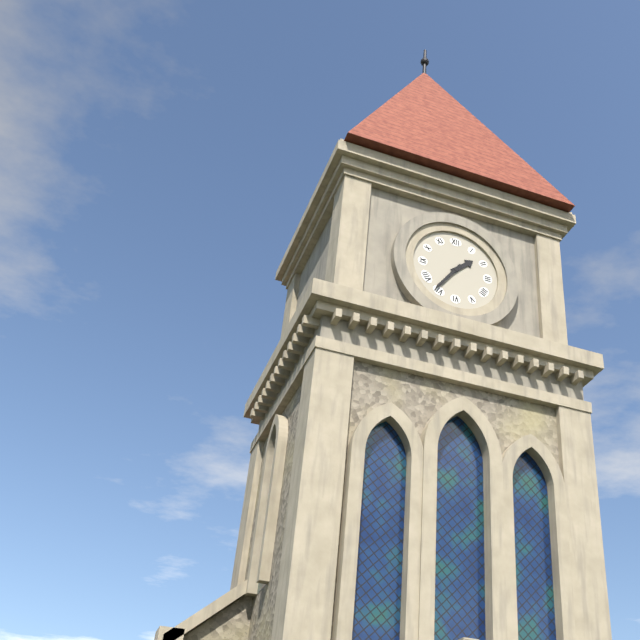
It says 1.36
